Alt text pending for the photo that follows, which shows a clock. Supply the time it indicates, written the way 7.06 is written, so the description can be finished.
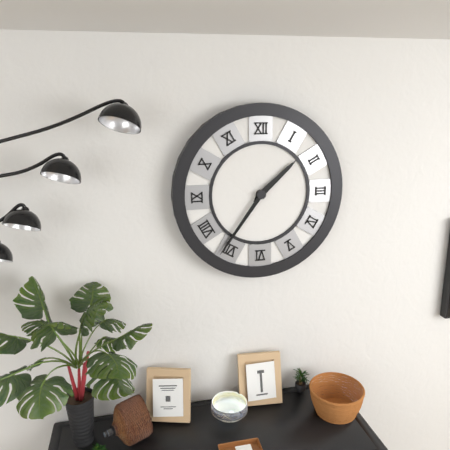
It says 1.36
